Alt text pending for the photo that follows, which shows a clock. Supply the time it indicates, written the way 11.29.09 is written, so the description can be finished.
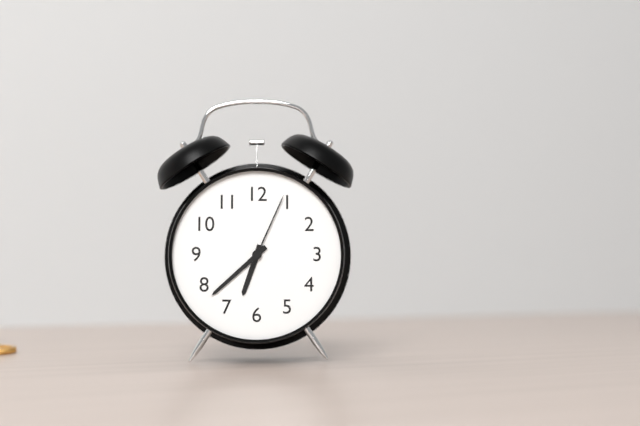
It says 6.38.04
